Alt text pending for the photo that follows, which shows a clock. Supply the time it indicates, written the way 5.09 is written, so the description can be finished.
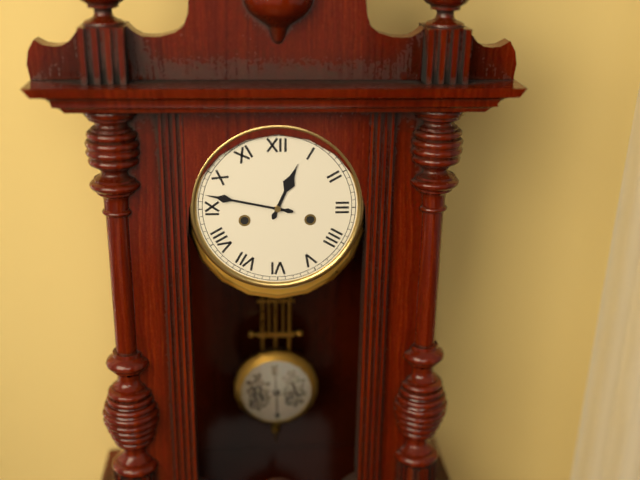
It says 12.47
